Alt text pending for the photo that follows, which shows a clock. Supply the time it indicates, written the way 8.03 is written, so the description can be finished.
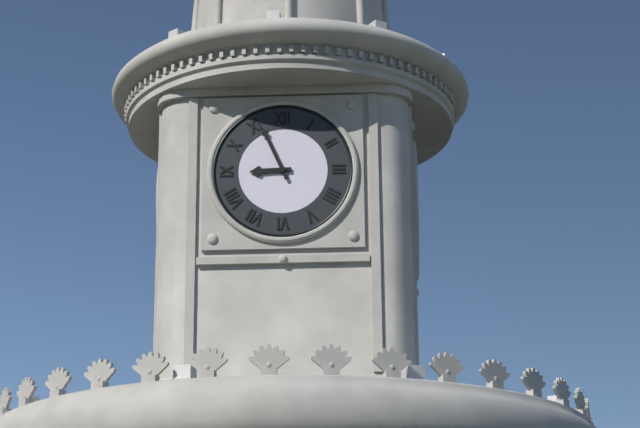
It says 8.56
